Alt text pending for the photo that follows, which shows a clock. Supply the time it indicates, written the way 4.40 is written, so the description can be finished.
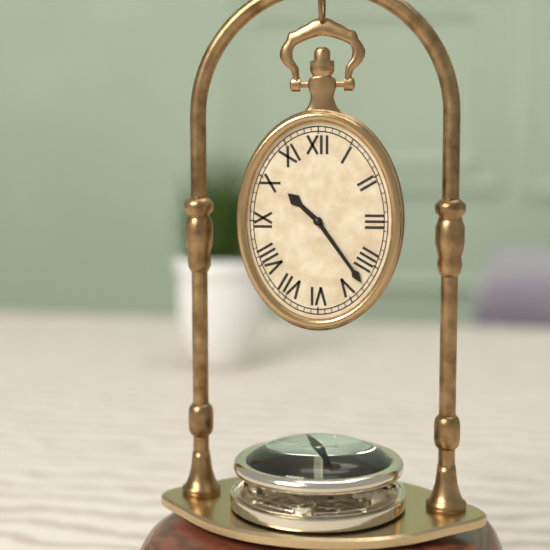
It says 10.24
